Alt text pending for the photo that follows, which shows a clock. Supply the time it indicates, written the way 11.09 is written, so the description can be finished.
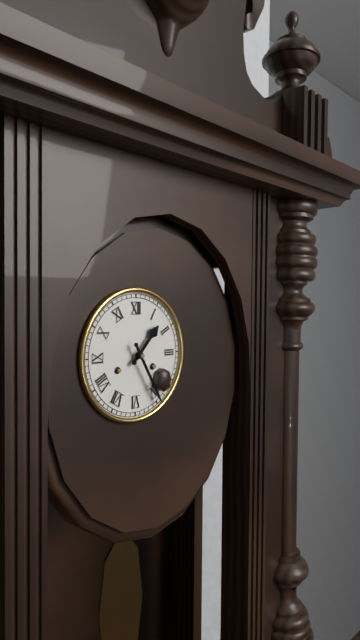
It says 1.25
